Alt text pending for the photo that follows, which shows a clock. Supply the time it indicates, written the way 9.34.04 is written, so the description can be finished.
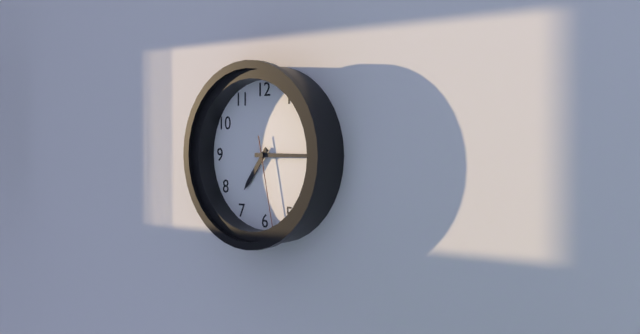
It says 7.15.28
